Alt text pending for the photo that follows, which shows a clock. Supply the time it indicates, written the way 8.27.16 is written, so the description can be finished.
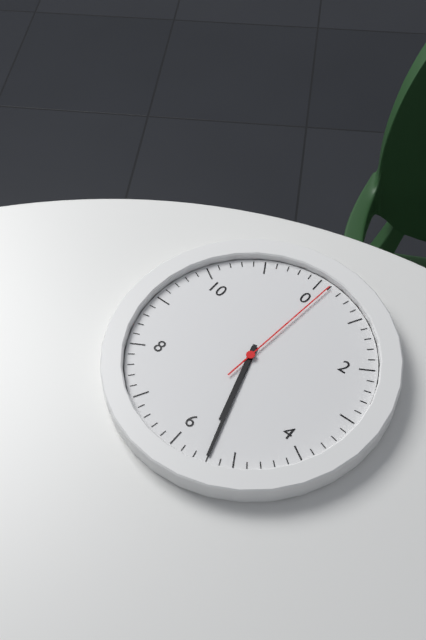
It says 5.27.01
